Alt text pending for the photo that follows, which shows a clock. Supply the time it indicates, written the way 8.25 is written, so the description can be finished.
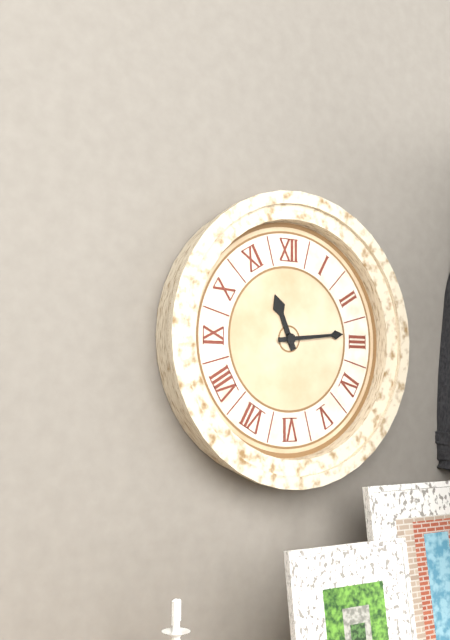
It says 11.14
